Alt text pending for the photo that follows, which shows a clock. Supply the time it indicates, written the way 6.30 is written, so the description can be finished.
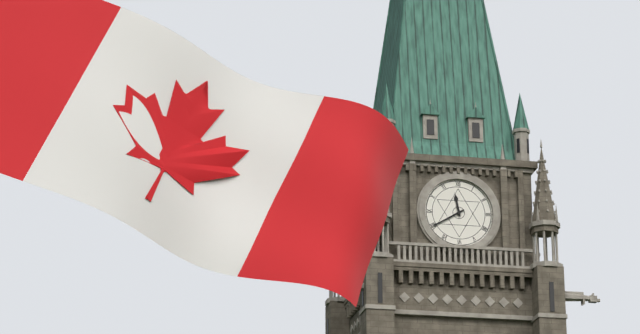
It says 11.40
